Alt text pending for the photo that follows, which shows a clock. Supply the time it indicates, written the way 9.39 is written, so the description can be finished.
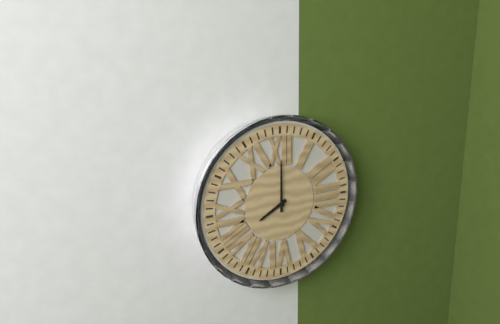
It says 8.00
